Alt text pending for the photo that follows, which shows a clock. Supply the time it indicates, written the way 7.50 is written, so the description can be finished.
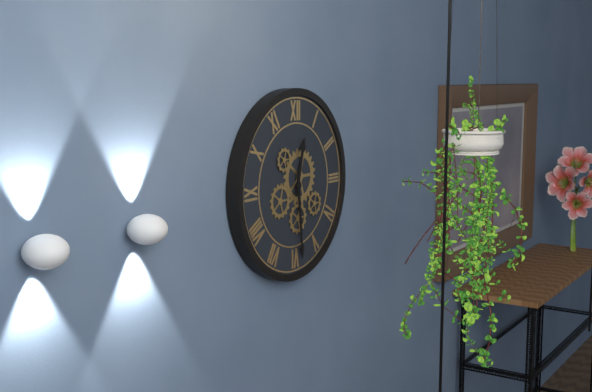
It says 12.29
